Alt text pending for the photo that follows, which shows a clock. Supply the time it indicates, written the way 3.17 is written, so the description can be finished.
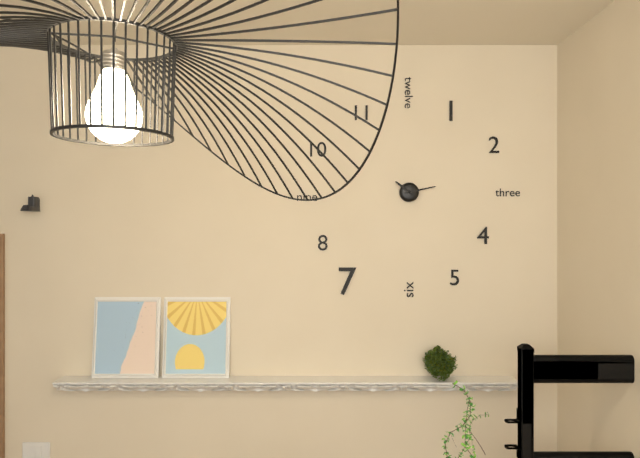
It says 10.13
